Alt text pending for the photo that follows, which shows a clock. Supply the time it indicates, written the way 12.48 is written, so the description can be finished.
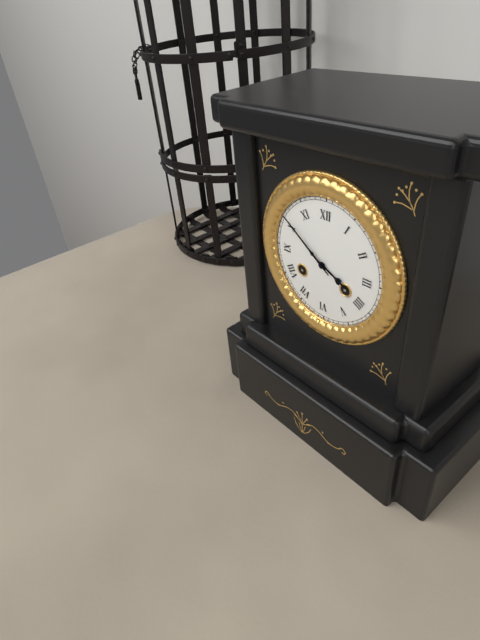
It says 3.51
